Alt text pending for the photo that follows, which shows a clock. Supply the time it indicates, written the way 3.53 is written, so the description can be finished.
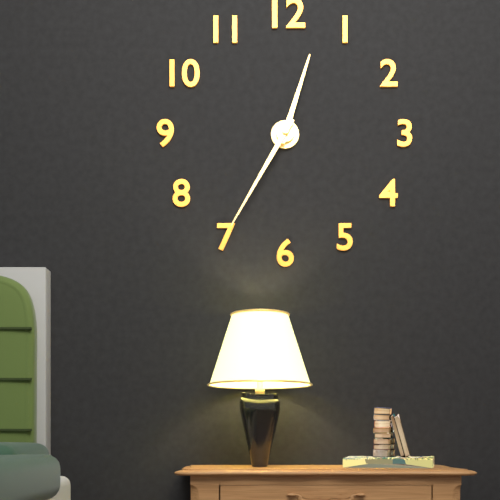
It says 12.35
